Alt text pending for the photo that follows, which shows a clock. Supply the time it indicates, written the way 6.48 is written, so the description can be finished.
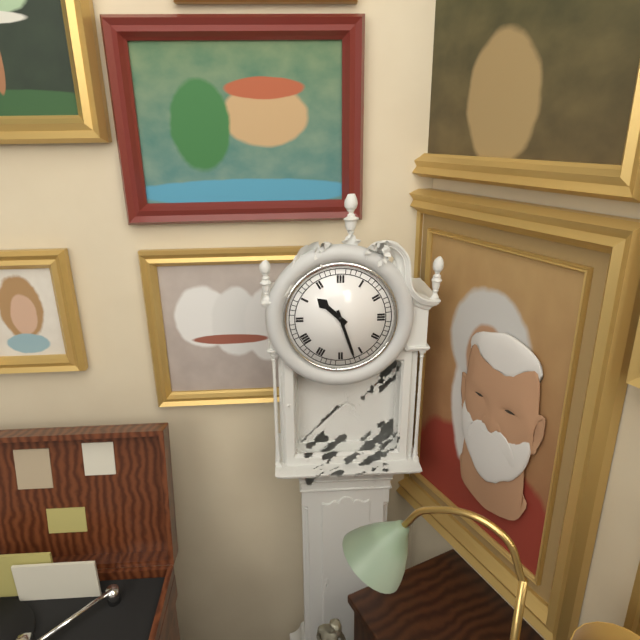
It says 10.27
